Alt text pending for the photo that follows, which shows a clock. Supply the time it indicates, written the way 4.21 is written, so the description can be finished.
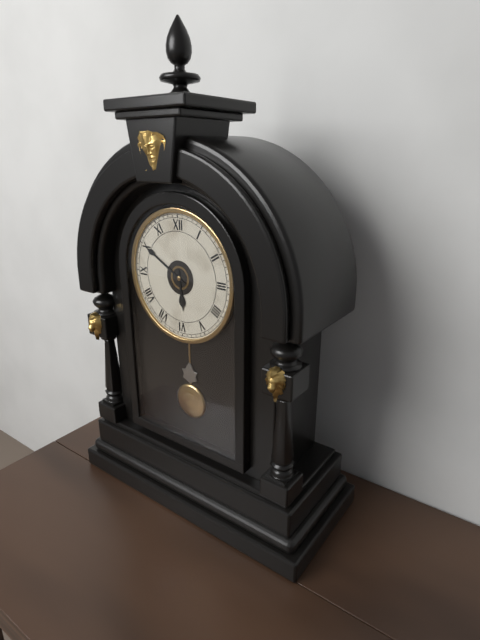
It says 5.50
